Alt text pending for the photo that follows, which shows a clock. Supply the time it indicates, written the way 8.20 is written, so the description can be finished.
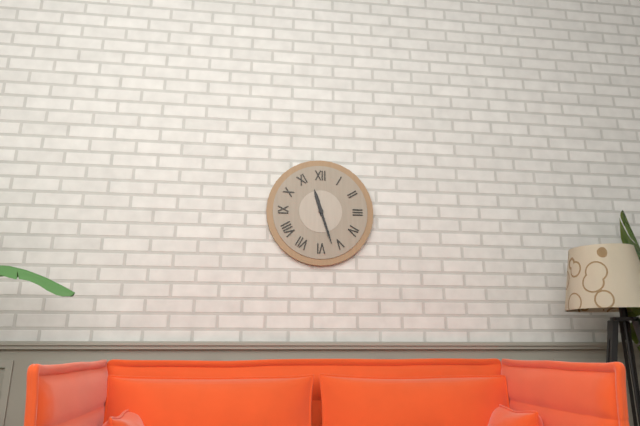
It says 11.27
